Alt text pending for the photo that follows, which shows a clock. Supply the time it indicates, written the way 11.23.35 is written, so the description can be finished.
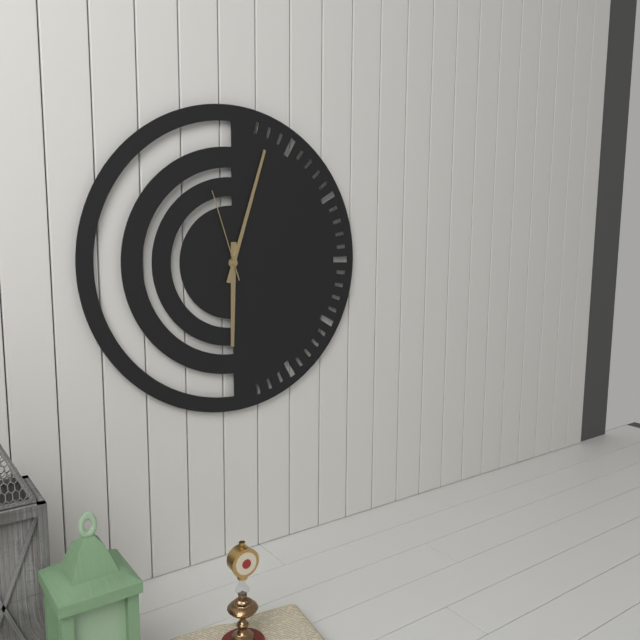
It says 6.03.57
